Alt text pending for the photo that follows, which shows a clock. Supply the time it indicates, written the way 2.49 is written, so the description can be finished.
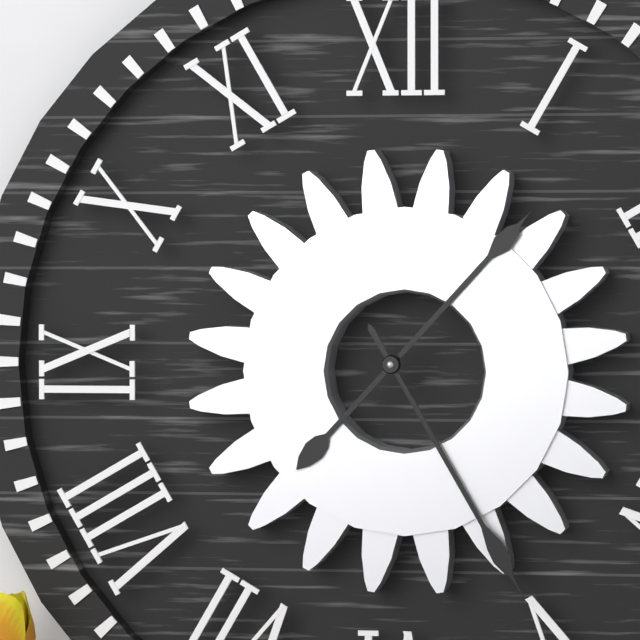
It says 1.25
